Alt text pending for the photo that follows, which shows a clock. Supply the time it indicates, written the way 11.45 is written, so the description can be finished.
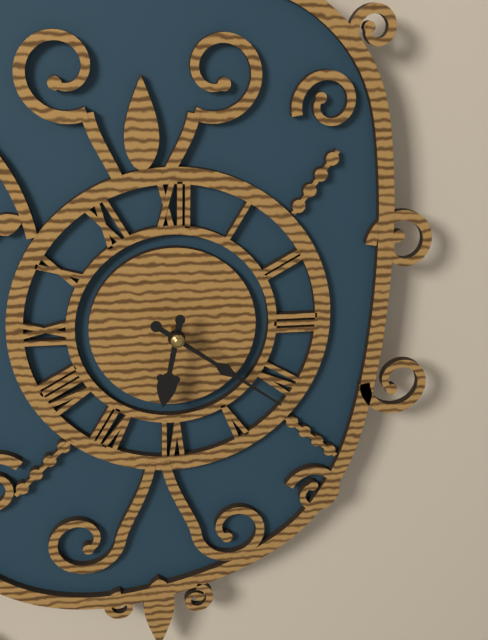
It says 6.21
